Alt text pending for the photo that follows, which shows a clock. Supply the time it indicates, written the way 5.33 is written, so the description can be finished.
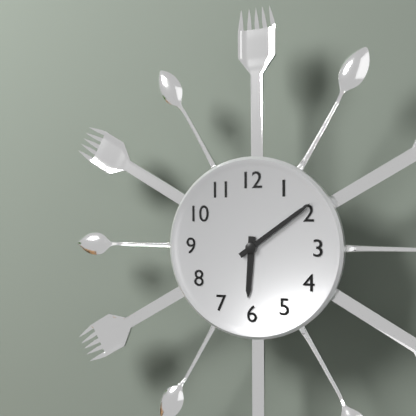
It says 6.09
